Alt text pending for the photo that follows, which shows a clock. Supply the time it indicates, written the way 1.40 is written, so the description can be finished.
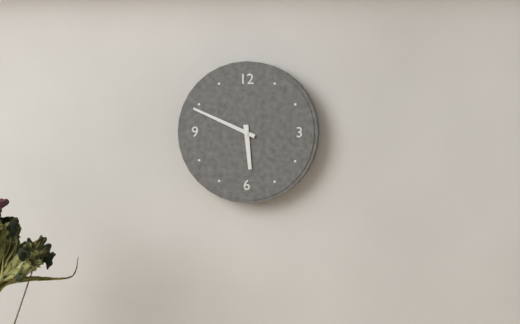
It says 5.49
